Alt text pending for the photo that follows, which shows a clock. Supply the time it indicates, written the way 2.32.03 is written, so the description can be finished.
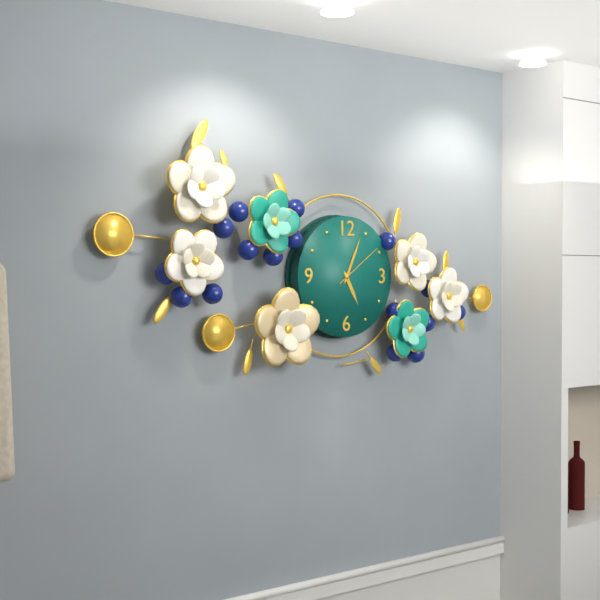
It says 5.04.09
